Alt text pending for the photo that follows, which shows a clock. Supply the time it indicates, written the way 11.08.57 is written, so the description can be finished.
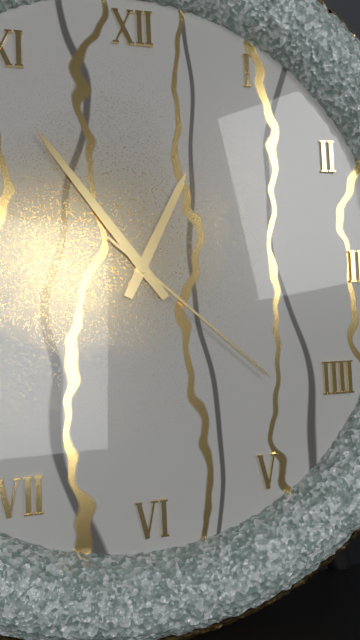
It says 12.54.22
